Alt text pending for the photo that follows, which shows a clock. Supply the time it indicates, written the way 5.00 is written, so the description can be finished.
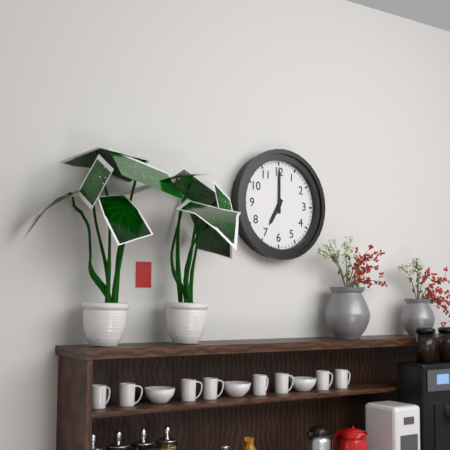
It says 7.00
